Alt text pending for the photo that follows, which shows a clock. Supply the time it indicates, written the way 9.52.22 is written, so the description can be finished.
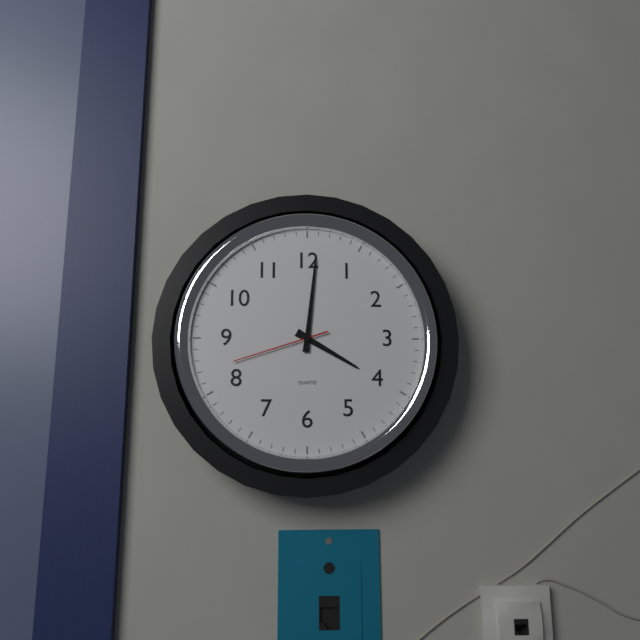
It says 4.01.42
